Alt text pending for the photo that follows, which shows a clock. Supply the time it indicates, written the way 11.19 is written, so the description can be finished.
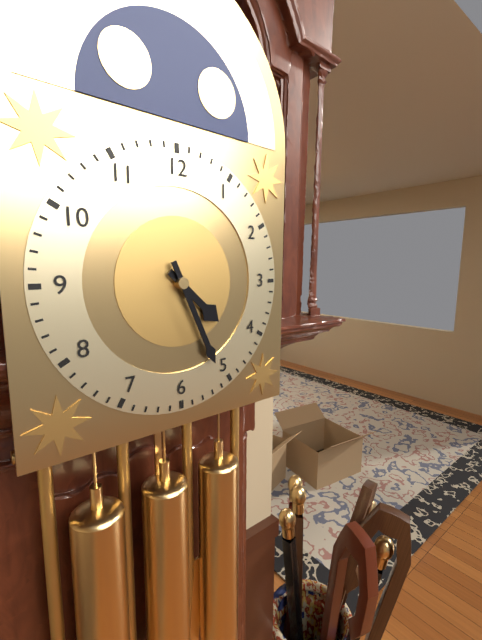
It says 4.26
